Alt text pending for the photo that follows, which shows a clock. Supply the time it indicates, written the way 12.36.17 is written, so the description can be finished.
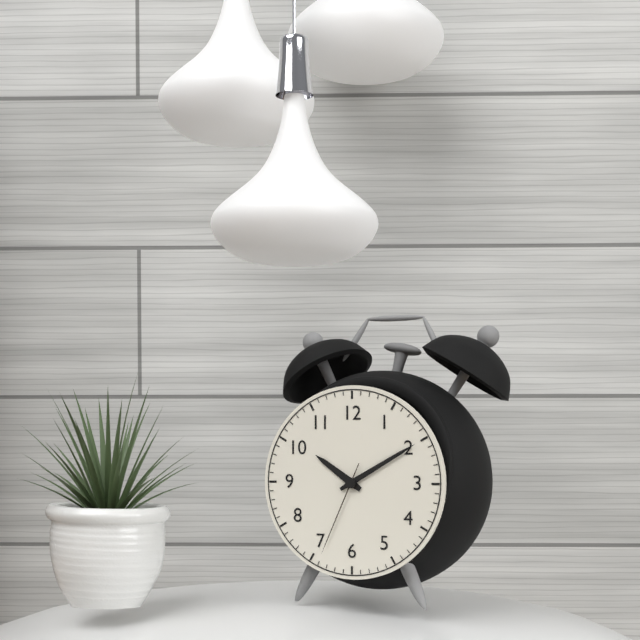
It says 10.10.34
